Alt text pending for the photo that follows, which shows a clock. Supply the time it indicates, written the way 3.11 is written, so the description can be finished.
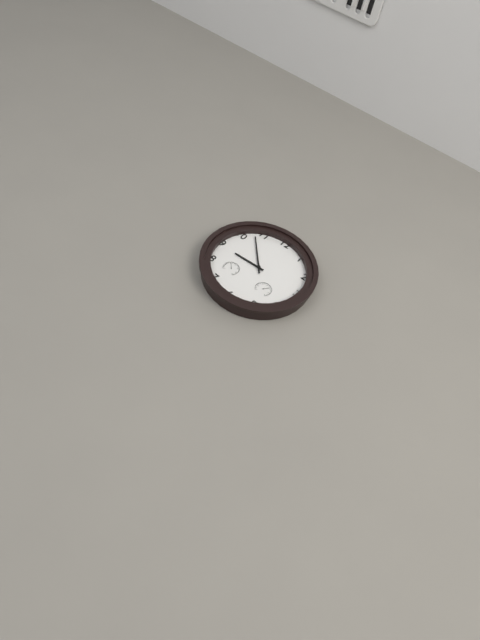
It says 8.53
